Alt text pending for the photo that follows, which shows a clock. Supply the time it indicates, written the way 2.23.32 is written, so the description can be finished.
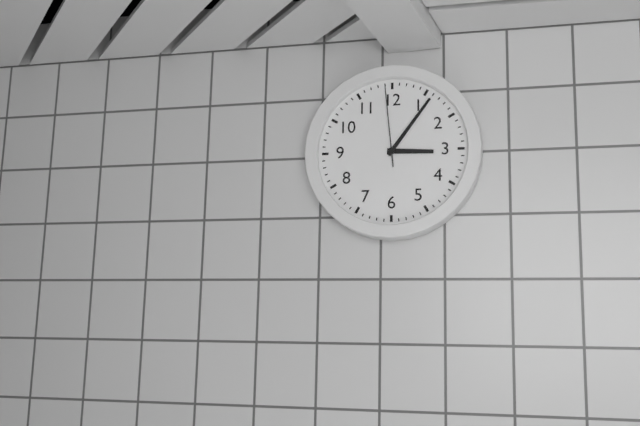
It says 3.06.59
